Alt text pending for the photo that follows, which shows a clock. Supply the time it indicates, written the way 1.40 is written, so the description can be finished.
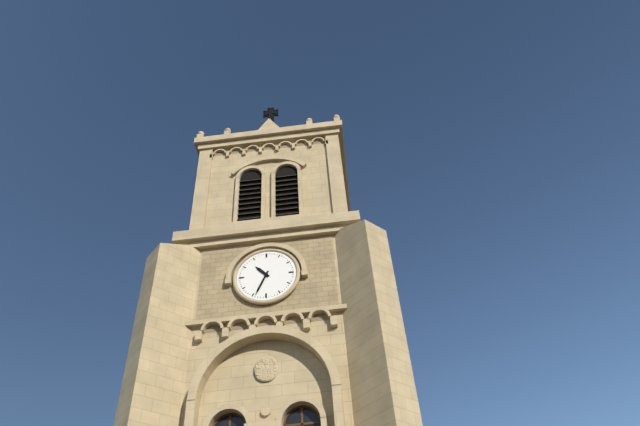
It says 10.34
